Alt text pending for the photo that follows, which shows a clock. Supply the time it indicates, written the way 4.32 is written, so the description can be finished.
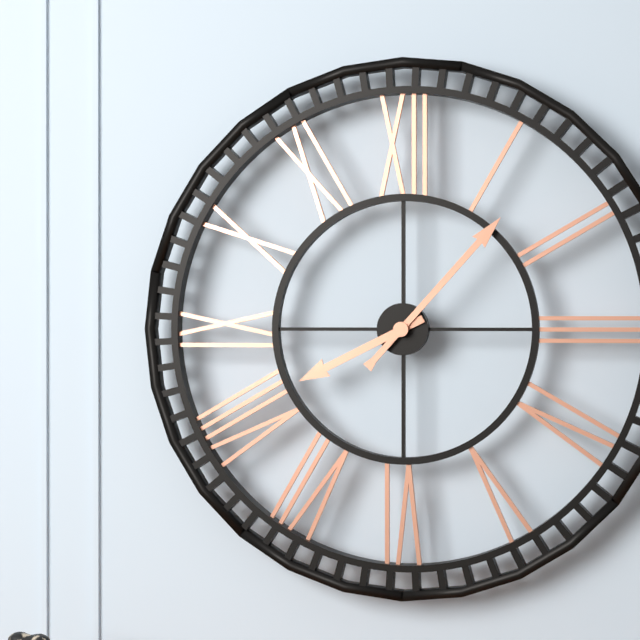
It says 8.07
